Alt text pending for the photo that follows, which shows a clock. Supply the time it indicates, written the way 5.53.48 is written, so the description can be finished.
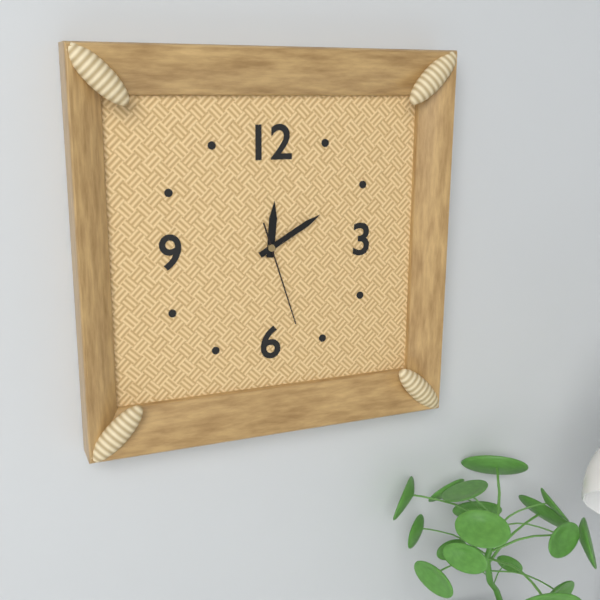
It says 12.10.27
